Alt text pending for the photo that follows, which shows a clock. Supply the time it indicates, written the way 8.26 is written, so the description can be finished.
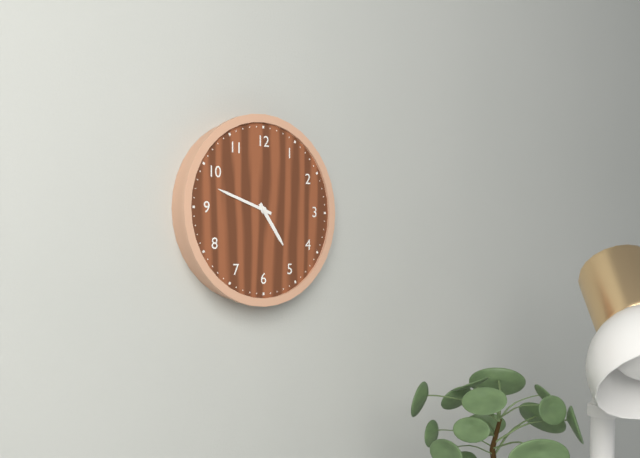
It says 4.48
